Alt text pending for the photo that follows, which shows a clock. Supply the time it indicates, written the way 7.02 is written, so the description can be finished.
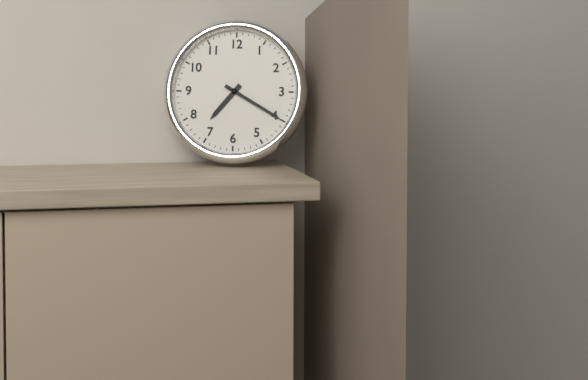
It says 7.20
